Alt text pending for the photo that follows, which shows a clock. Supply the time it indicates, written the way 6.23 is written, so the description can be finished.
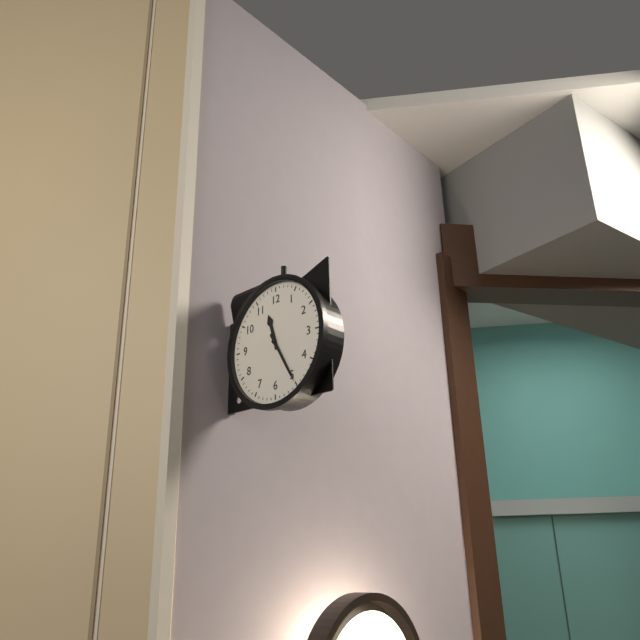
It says 11.25
